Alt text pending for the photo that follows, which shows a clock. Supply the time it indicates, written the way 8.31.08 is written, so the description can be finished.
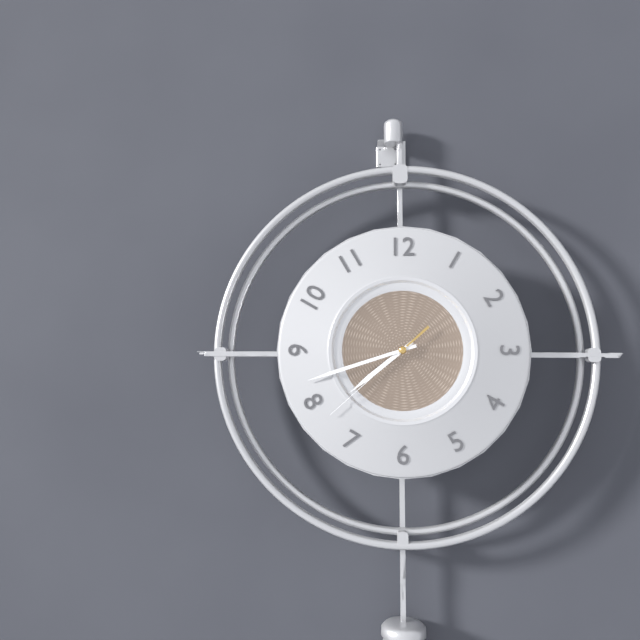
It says 7.42.38
